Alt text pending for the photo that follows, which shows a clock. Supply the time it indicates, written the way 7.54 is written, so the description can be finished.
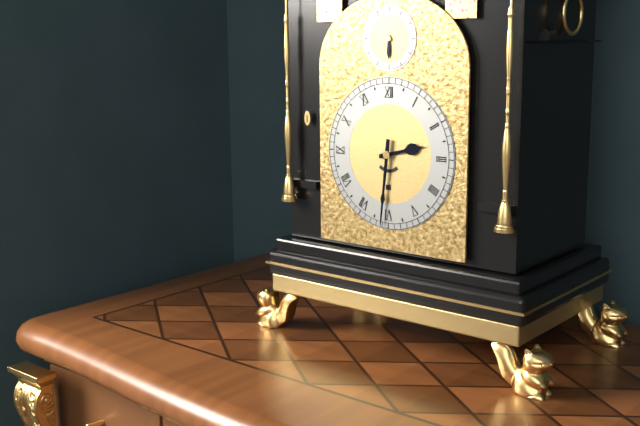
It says 2.31
